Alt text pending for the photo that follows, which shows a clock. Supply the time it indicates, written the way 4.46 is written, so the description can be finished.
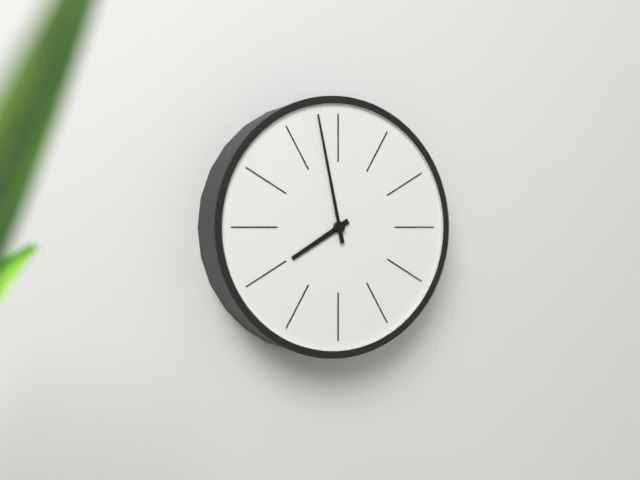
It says 7.58
